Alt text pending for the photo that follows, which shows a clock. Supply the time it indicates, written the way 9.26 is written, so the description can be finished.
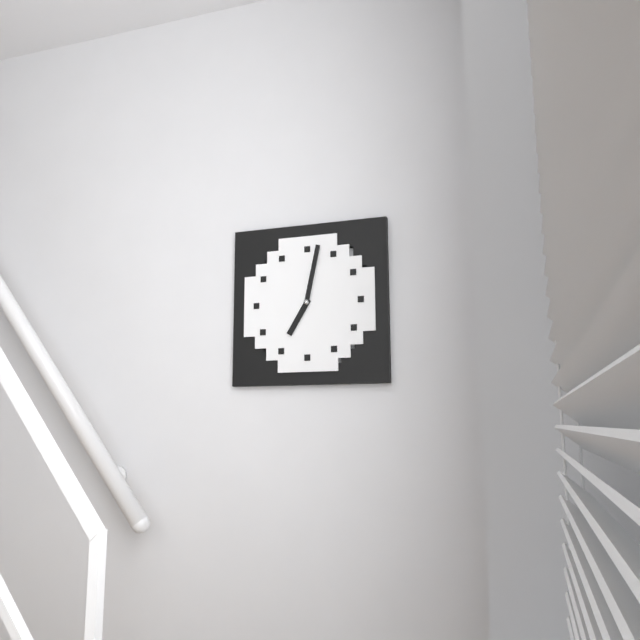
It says 7.02
